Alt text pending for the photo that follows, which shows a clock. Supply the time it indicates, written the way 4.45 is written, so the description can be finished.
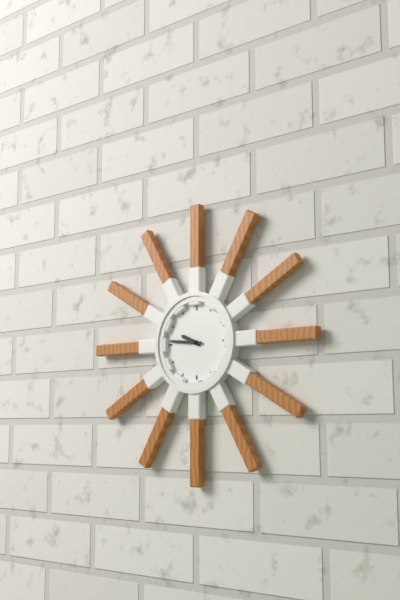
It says 9.46
